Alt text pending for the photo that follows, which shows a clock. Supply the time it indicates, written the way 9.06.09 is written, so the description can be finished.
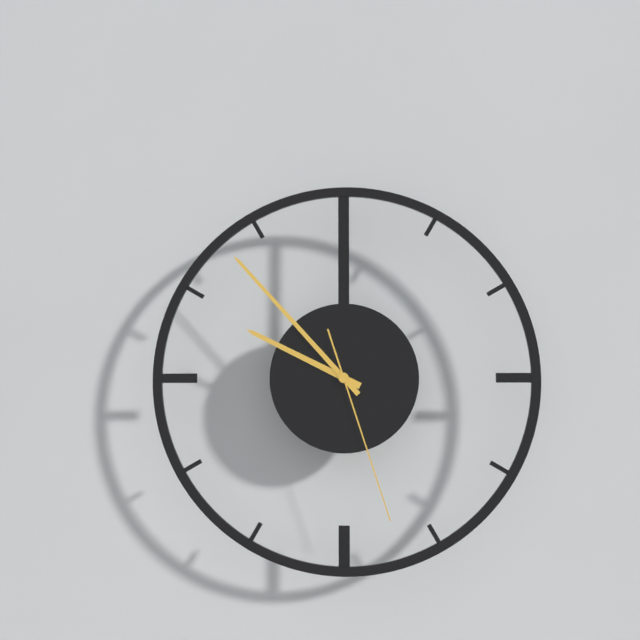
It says 9.53.27
